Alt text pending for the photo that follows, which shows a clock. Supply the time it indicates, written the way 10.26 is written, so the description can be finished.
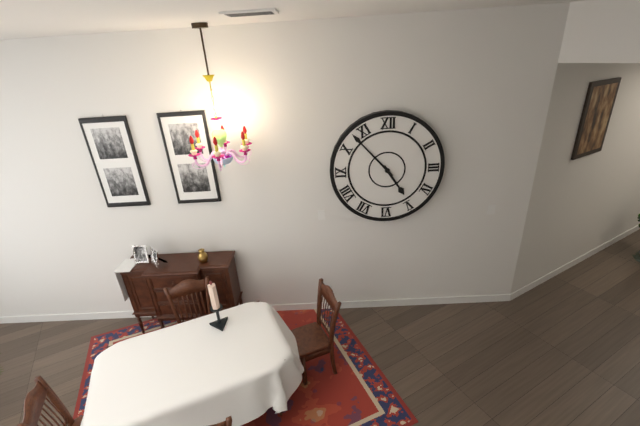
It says 4.53
